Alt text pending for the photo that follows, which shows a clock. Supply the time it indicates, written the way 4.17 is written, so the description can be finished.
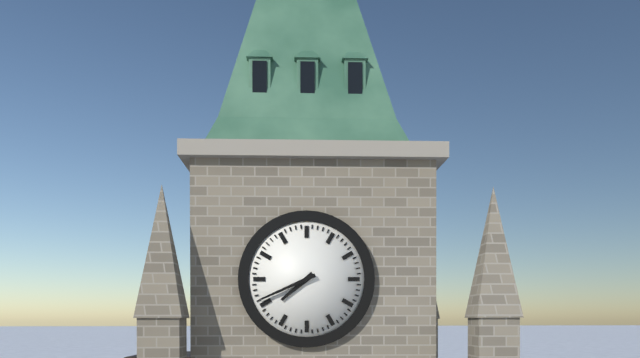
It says 7.41
